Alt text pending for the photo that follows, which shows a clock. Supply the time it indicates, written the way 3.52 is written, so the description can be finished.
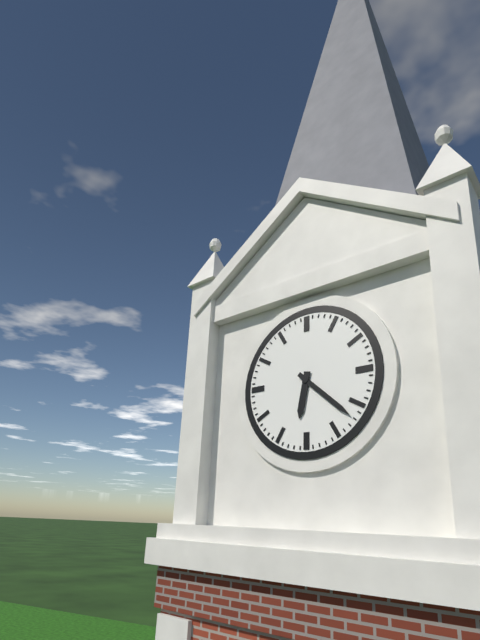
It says 6.22
